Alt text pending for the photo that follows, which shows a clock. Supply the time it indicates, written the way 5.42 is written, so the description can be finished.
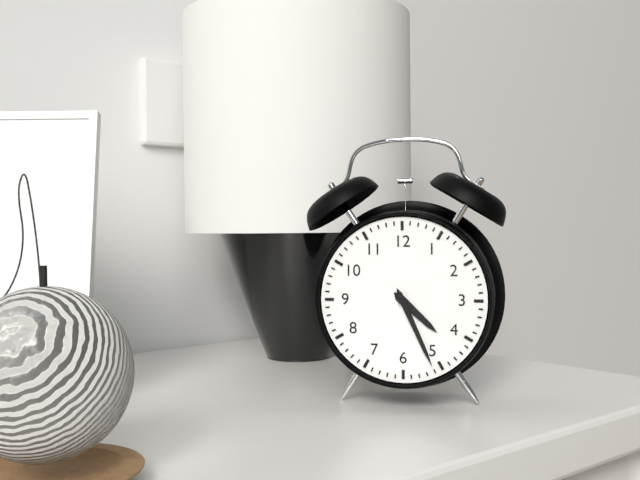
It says 4.26
